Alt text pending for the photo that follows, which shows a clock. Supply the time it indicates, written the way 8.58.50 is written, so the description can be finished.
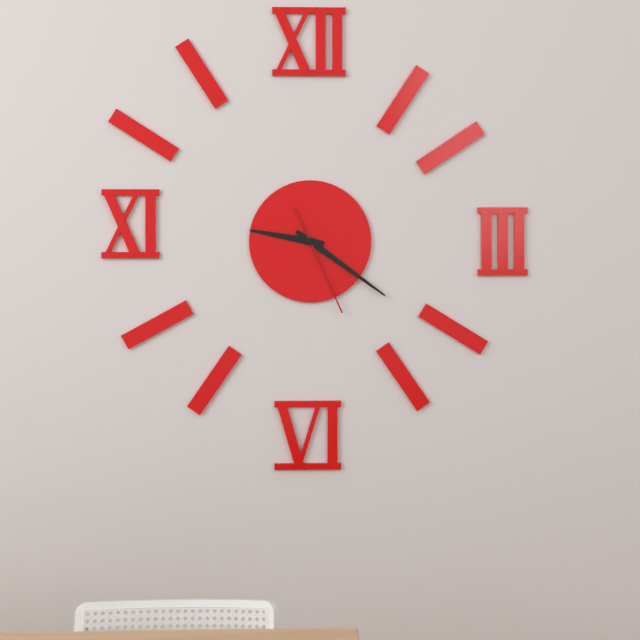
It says 9.21.26
